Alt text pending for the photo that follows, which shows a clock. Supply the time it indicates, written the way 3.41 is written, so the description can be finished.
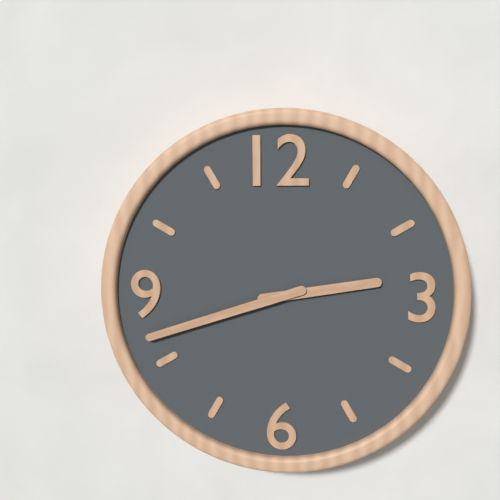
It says 2.42
